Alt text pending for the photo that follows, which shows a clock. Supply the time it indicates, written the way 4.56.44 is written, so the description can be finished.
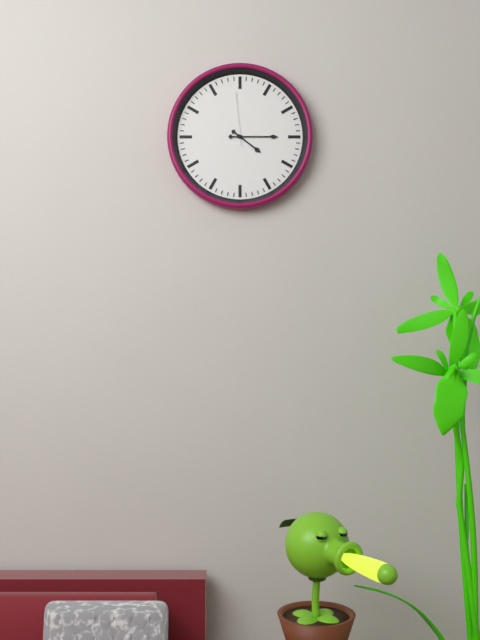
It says 4.15.59
